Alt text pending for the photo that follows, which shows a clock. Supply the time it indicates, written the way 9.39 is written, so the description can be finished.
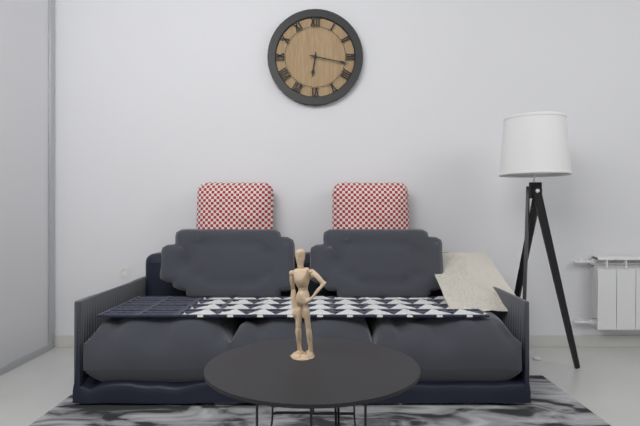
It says 6.17
